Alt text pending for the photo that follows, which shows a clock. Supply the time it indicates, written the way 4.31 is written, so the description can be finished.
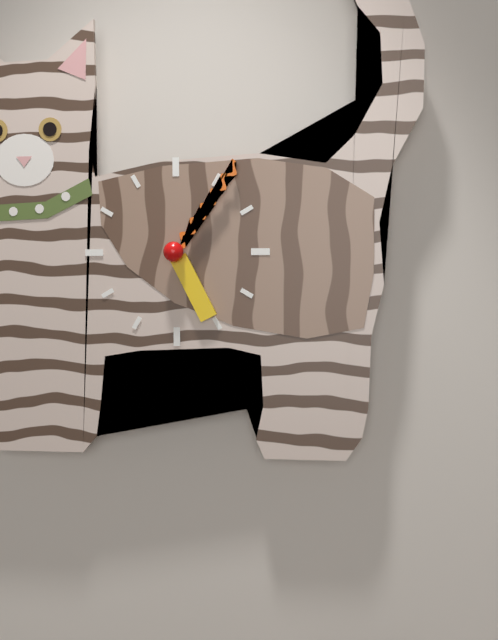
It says 5.06
